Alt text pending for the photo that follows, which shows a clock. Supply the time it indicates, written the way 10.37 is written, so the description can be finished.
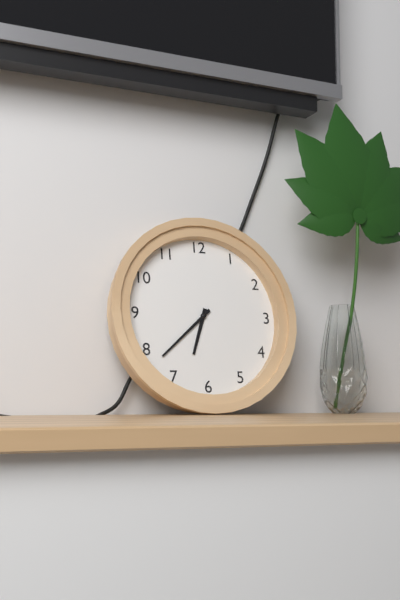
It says 6.38
